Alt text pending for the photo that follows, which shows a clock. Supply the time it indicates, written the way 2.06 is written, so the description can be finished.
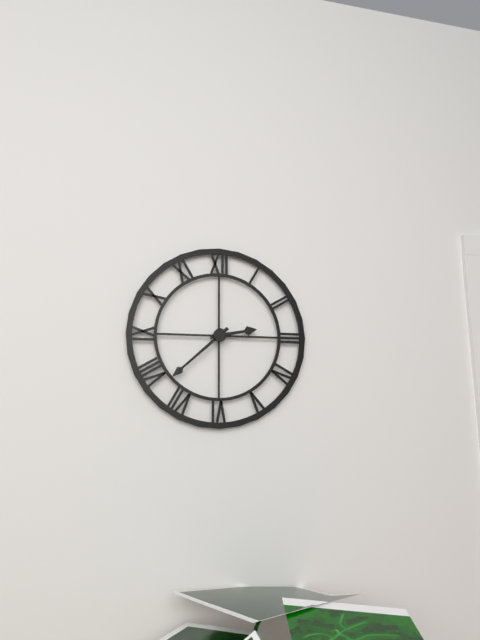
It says 2.38
